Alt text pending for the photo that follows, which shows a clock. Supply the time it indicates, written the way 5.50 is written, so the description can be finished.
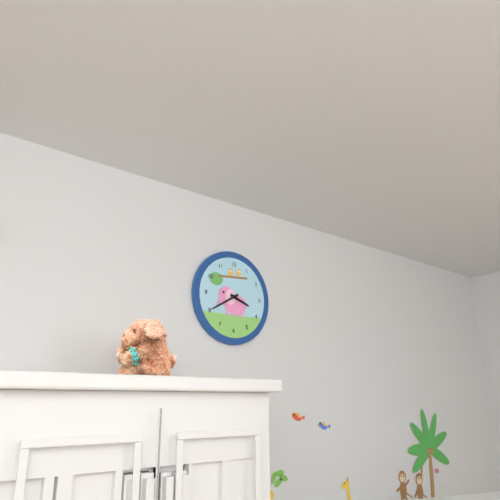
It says 3.40
